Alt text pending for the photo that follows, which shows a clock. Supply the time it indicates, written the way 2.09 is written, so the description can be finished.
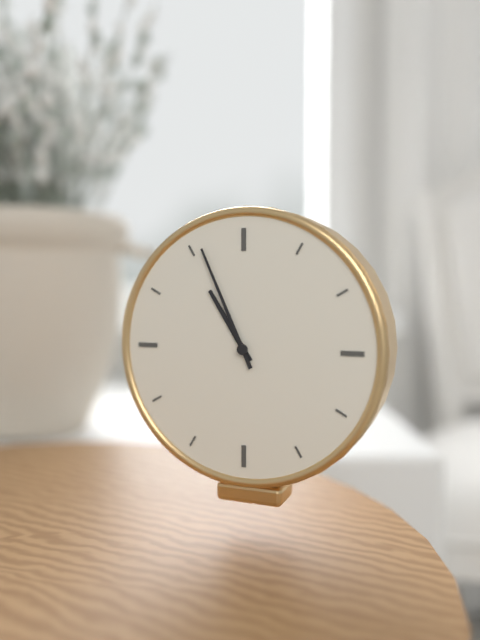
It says 10.56
